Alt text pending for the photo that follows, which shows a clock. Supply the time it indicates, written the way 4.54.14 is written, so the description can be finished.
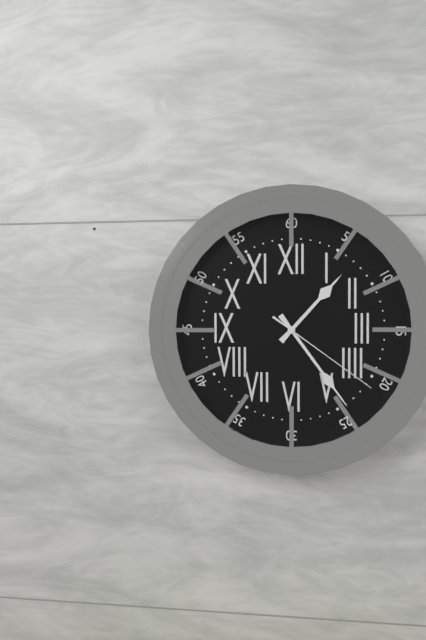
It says 1.24.21
